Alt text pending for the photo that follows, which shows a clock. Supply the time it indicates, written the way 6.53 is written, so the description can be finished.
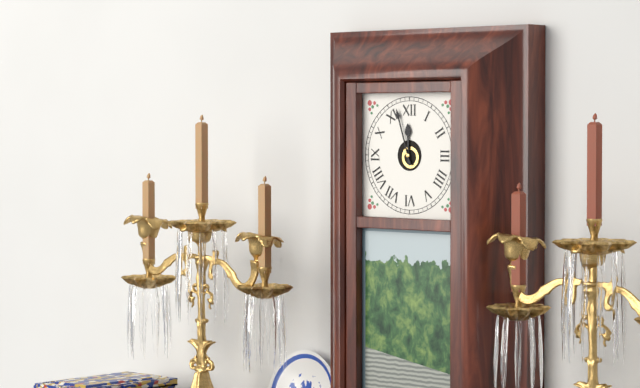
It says 11.57
